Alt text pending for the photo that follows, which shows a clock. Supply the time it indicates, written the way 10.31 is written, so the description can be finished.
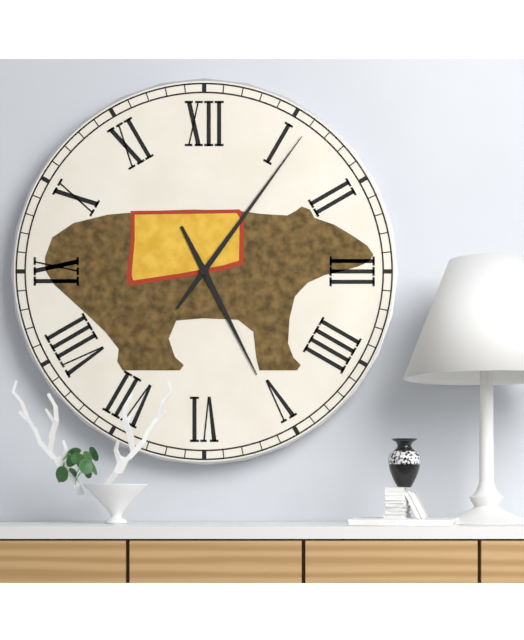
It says 5.06
